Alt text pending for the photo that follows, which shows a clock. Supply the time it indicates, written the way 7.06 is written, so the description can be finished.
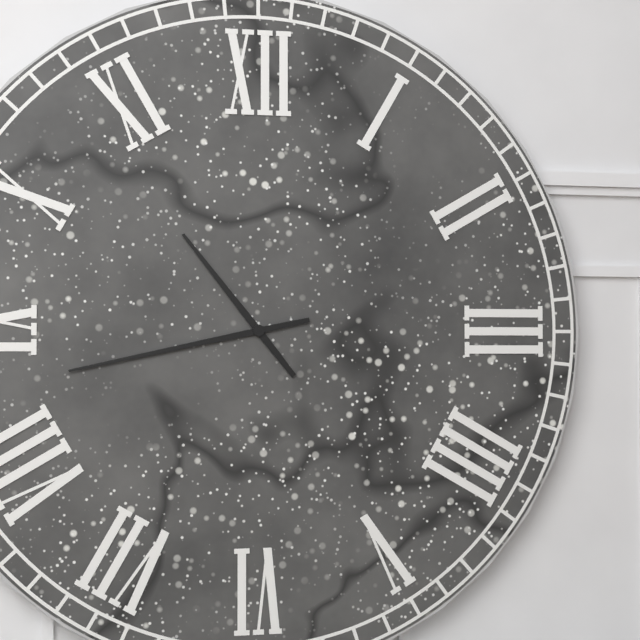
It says 10.43
